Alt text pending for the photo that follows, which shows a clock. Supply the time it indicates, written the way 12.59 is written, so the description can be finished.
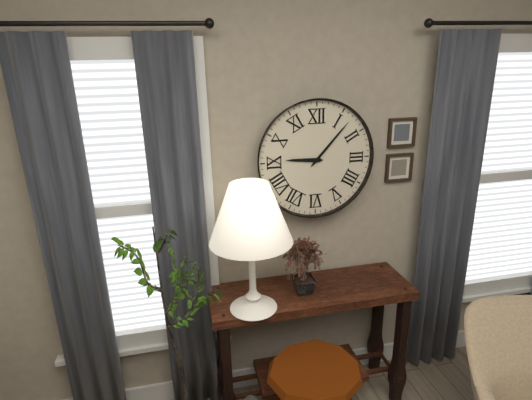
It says 9.07
